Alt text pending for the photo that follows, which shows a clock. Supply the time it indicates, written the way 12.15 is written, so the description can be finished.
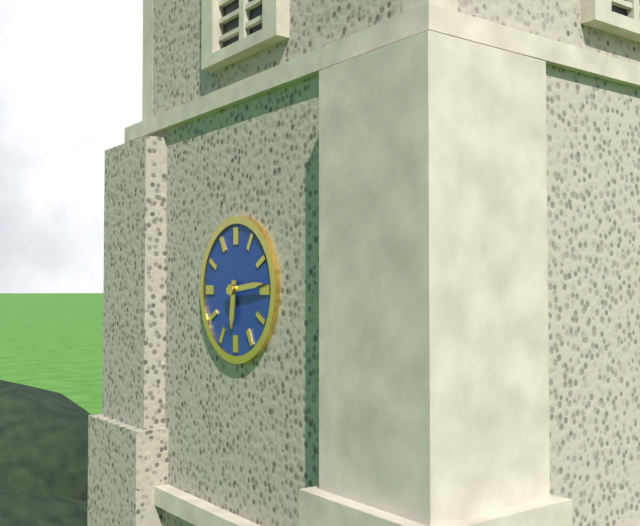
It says 6.14
